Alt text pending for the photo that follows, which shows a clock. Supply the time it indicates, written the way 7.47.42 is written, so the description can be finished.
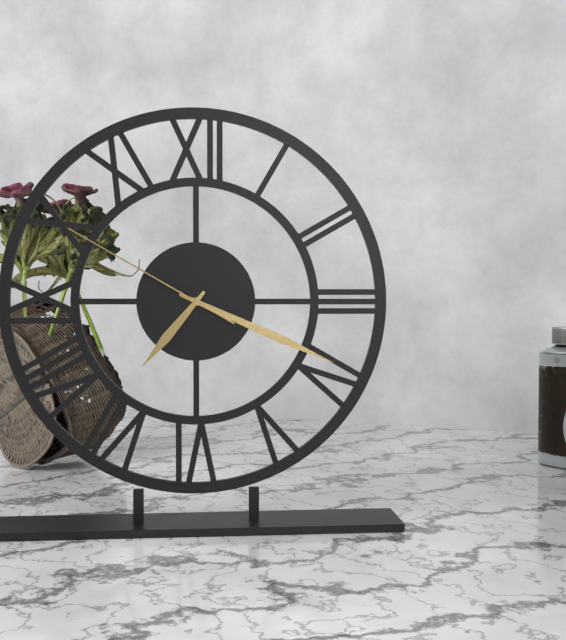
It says 7.19.50
